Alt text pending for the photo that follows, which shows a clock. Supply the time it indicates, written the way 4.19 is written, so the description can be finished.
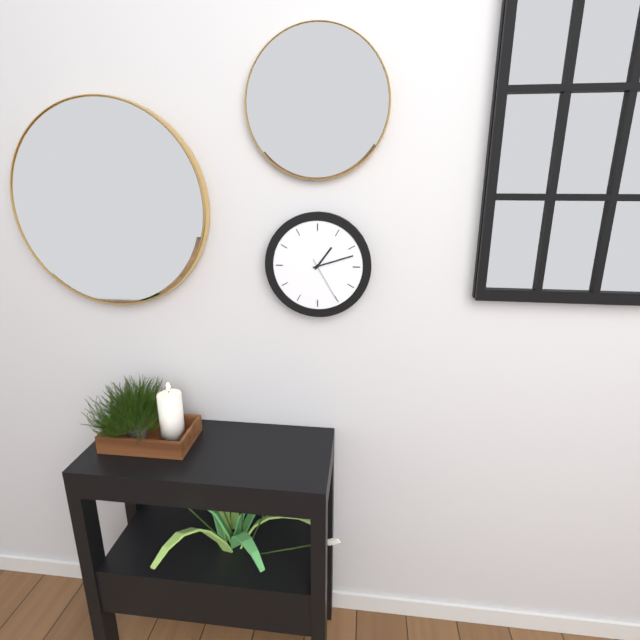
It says 1.12
